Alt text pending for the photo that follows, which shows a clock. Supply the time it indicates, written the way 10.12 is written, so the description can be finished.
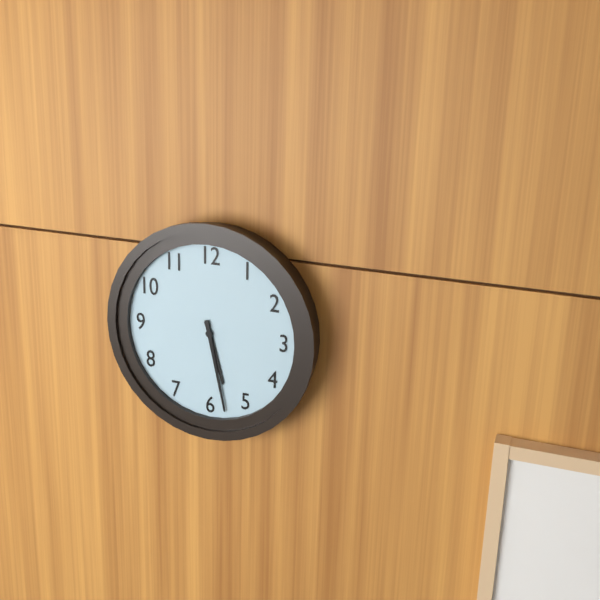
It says 5.28
